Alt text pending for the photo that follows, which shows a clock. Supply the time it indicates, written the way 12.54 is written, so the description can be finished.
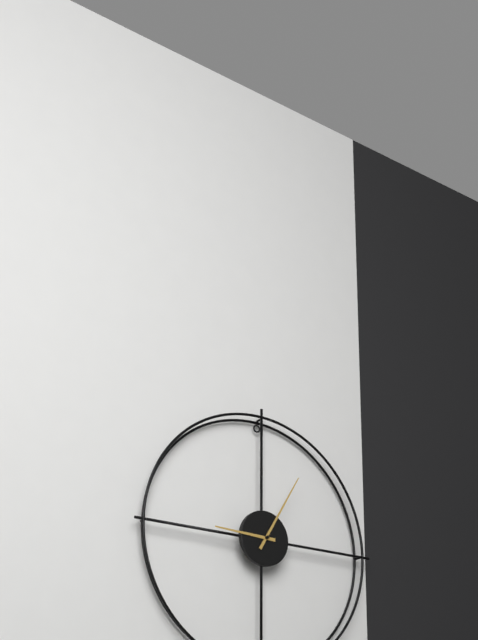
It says 9.05
